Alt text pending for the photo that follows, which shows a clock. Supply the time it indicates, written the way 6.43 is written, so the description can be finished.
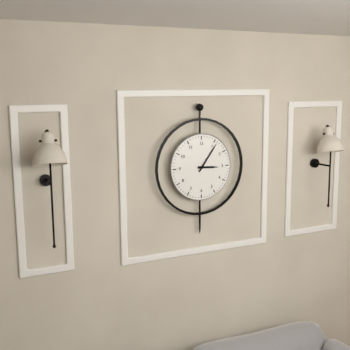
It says 3.06
